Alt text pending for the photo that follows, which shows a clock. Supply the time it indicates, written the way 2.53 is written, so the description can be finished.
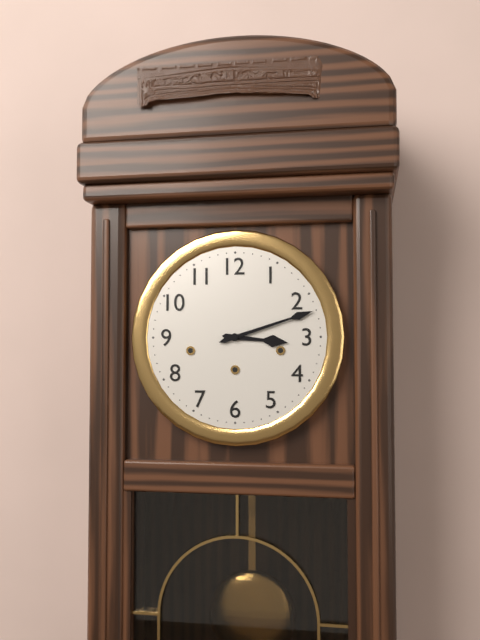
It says 3.12
